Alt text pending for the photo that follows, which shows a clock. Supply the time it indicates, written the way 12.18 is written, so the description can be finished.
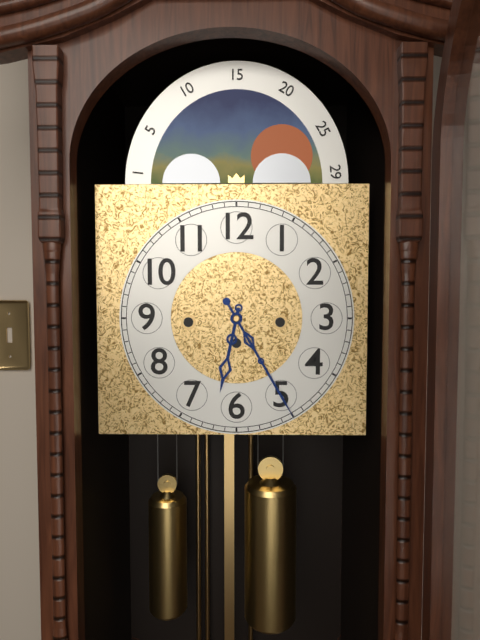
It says 6.25
